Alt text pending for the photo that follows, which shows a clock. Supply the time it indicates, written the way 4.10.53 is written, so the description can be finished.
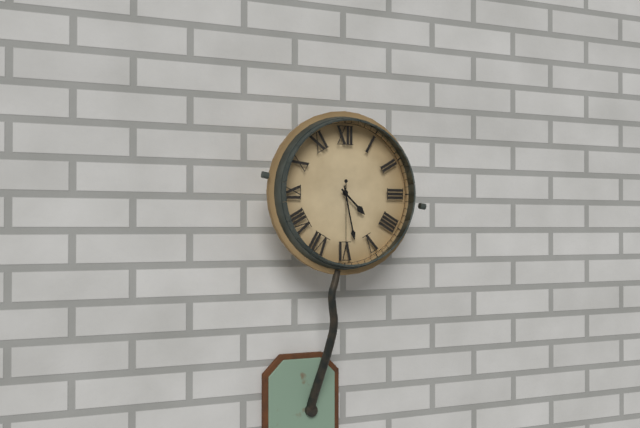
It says 4.28.30
